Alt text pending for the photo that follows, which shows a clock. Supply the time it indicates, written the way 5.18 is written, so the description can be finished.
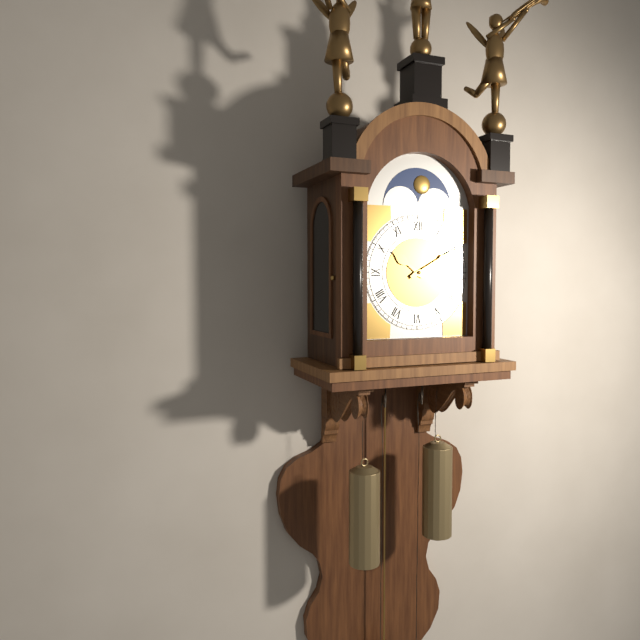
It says 10.10
